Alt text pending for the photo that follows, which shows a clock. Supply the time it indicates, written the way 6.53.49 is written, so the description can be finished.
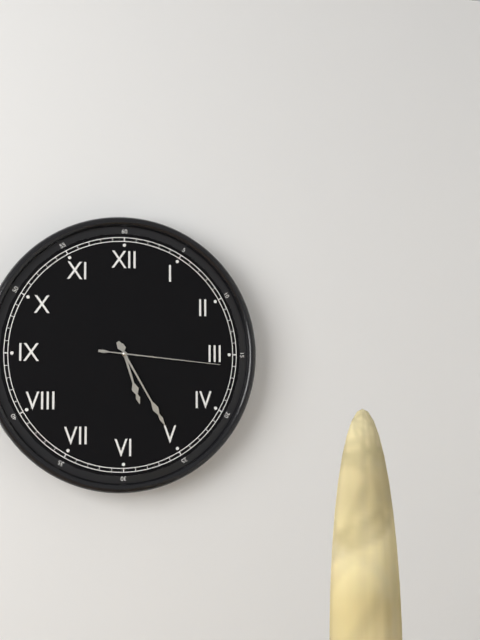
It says 5.25.16
